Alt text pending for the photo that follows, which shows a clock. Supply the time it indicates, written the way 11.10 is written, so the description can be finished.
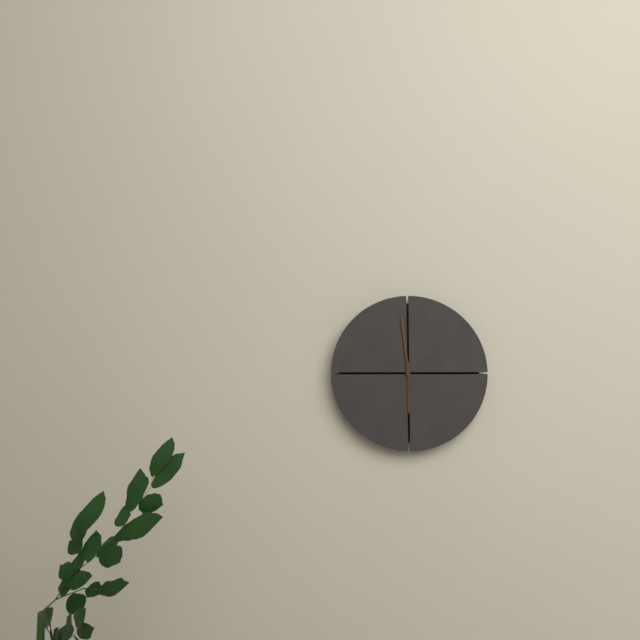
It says 5.59
